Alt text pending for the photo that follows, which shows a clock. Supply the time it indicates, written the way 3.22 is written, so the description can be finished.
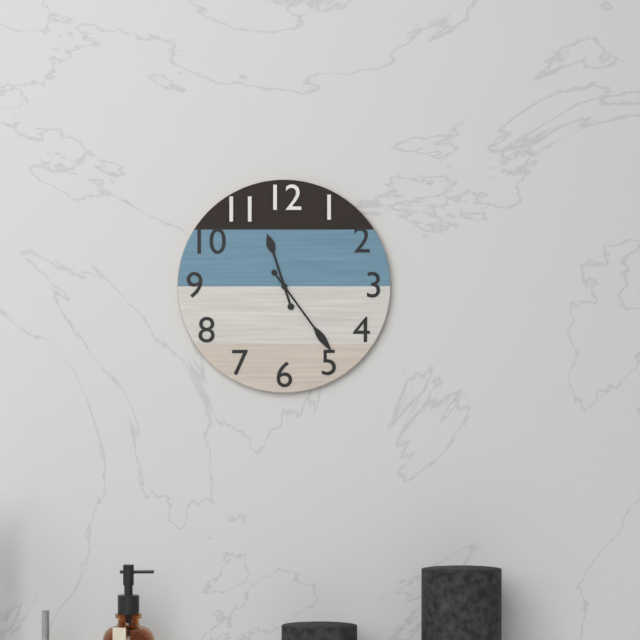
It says 11.24
